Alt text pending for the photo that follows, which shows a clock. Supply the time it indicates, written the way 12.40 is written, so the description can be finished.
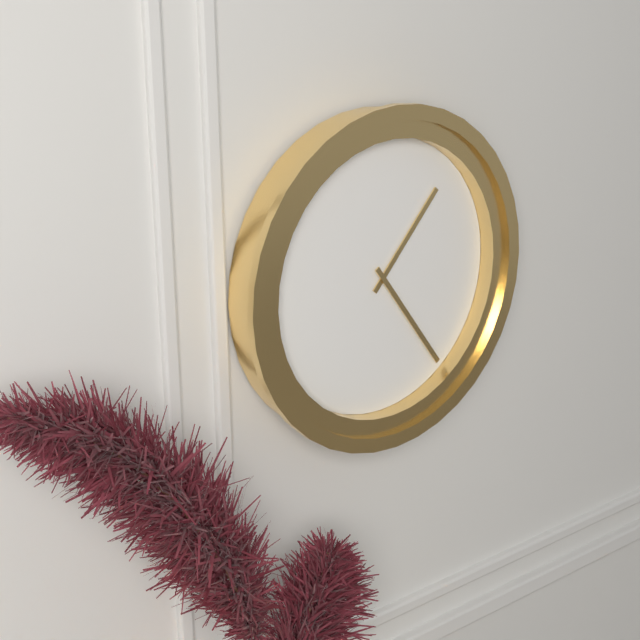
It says 1.24
